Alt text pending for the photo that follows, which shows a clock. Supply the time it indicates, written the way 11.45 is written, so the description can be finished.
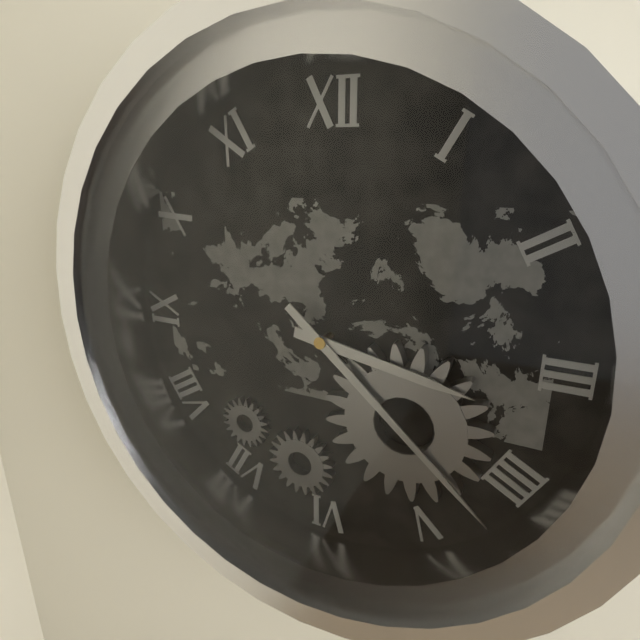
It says 3.22
